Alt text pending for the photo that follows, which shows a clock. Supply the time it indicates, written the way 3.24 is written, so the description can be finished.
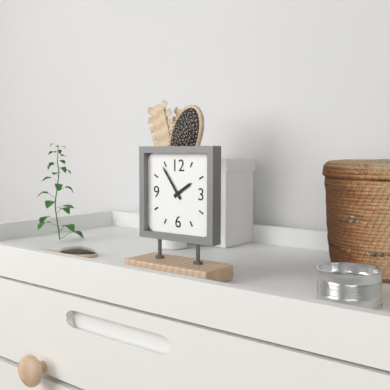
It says 1.54
